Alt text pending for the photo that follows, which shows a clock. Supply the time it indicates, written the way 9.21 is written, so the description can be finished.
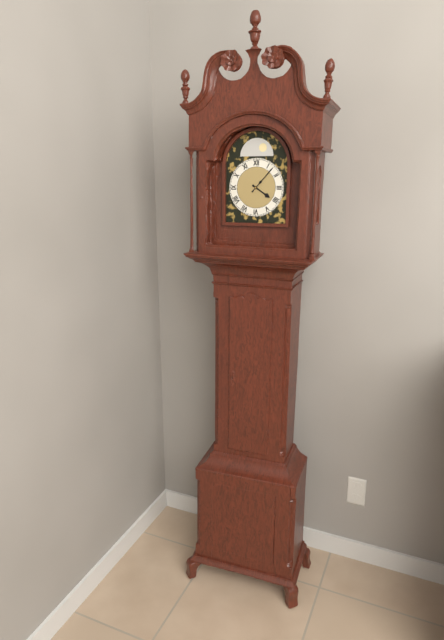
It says 4.07
